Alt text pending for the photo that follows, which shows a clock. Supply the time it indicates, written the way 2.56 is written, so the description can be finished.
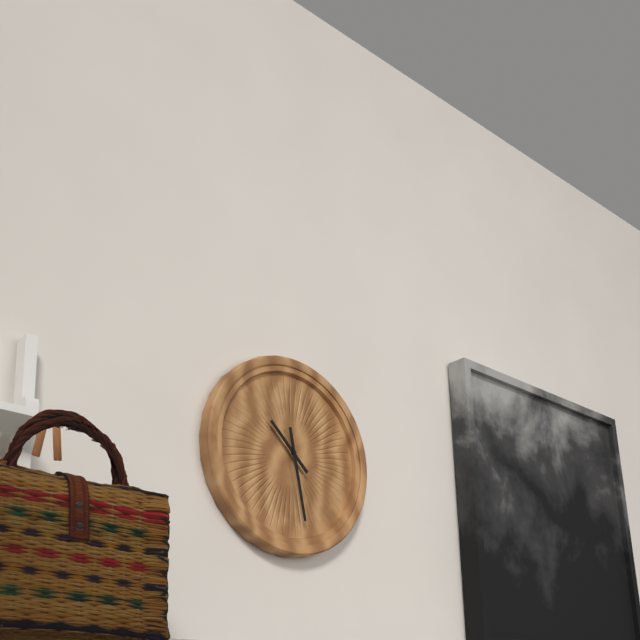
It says 10.28
